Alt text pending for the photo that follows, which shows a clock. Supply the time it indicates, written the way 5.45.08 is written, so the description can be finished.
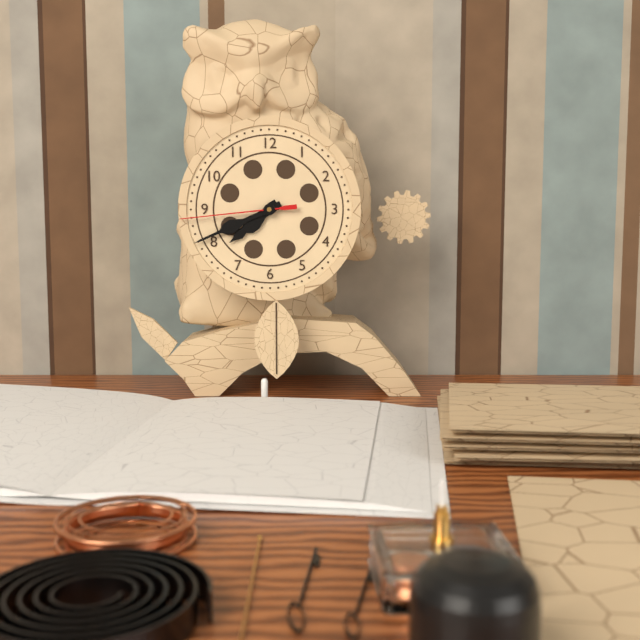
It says 7.41.44
